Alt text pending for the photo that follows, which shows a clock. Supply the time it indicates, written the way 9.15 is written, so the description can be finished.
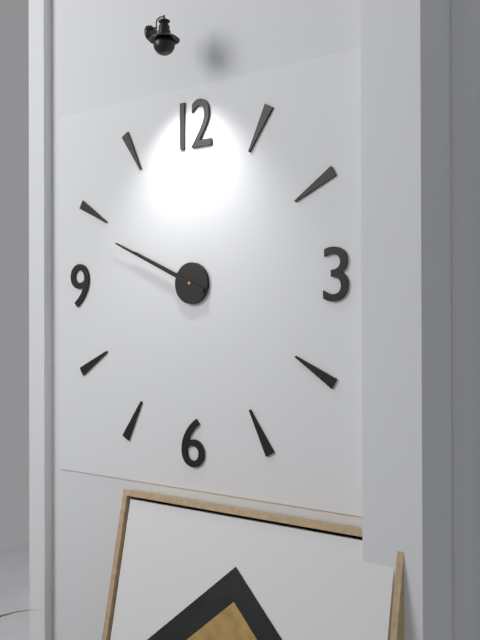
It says 9.49
